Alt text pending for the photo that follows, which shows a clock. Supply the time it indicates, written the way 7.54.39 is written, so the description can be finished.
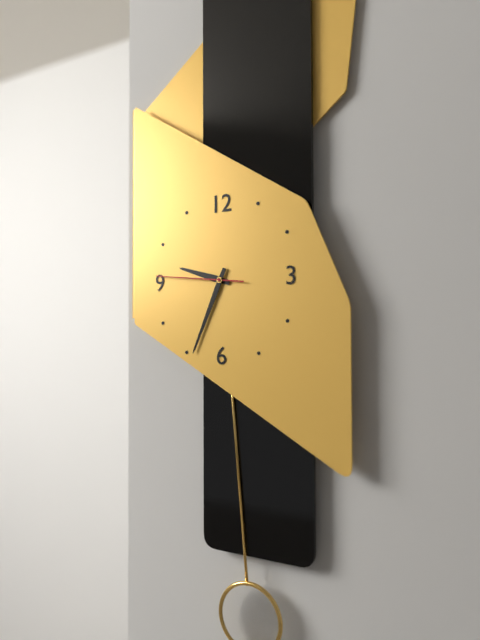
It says 9.34.46
